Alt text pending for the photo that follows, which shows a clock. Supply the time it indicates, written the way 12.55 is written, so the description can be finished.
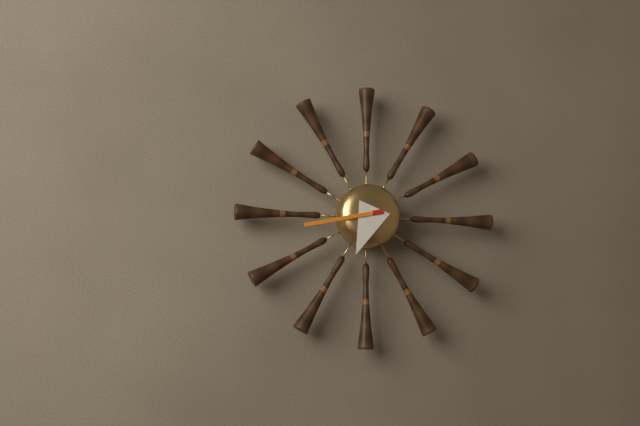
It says 6.43
